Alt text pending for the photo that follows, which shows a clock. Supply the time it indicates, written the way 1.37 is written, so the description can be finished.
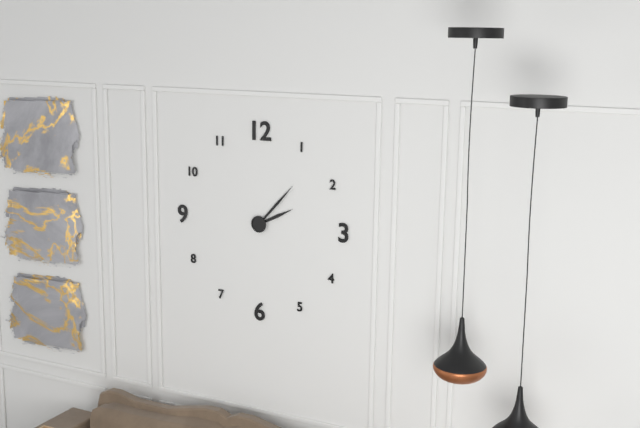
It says 2.07
